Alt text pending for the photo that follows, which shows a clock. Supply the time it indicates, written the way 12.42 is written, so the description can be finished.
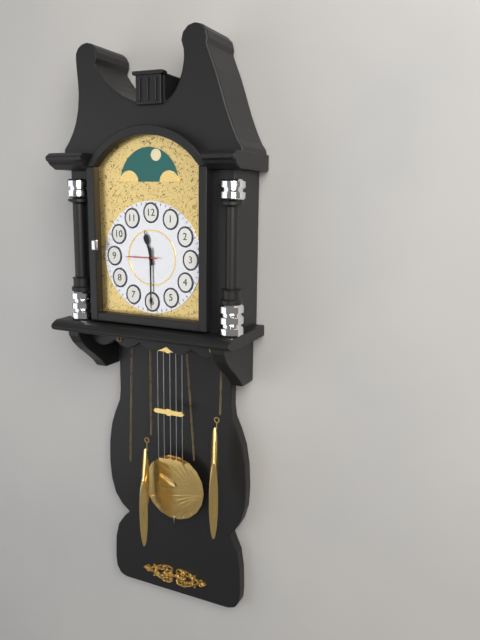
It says 11.30
